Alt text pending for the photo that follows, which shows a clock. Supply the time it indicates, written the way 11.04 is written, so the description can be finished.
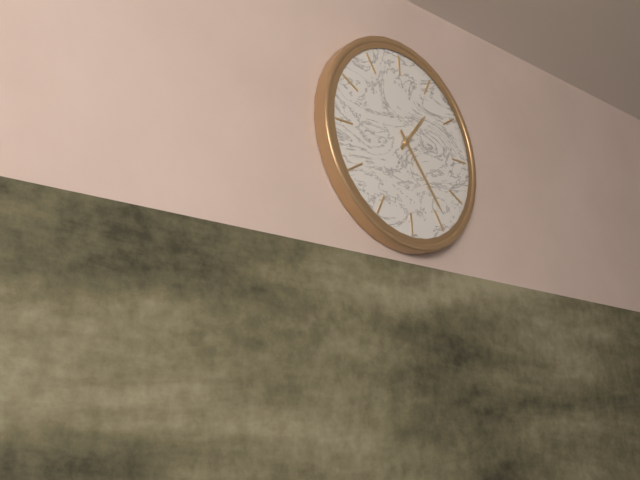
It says 1.24
